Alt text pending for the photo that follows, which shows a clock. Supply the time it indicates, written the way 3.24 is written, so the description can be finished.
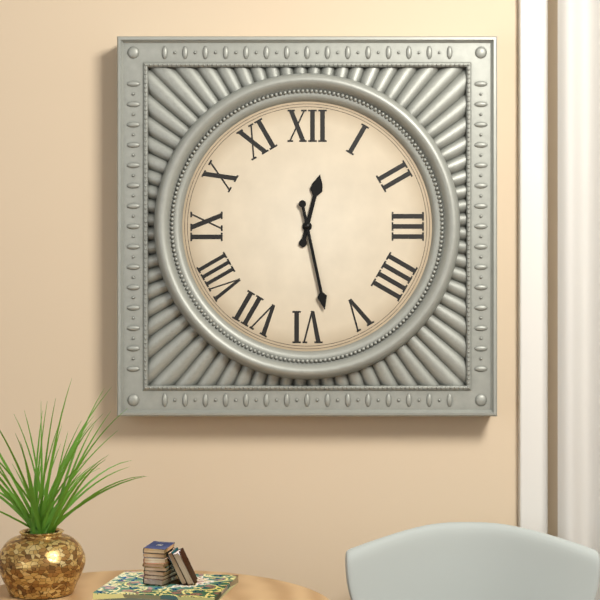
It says 12.28
